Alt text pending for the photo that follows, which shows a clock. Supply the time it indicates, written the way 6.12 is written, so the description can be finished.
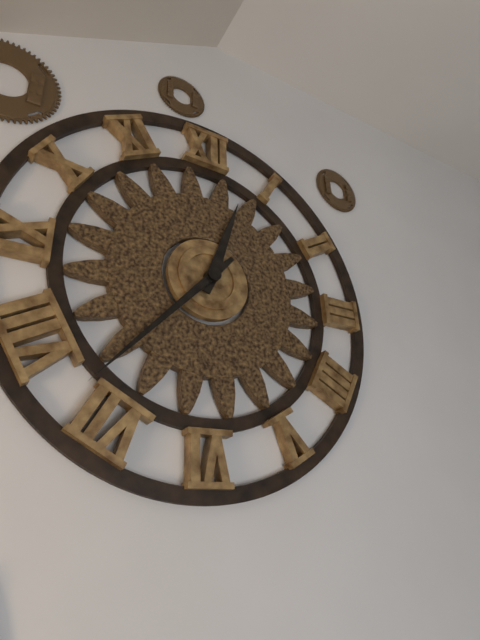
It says 12.37
